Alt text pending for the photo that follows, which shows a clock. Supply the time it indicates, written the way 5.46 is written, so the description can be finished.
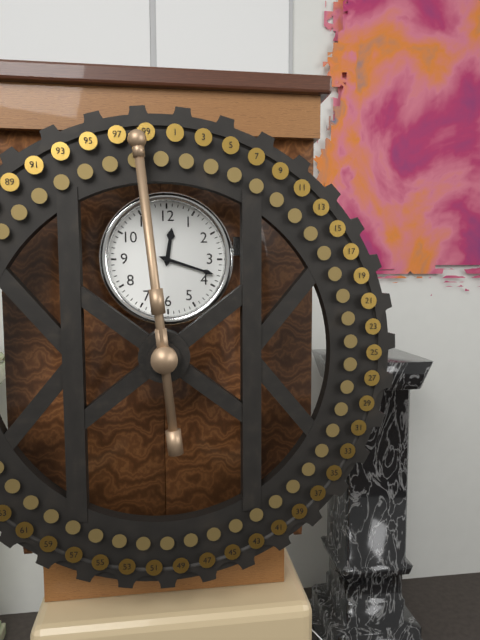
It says 12.18
